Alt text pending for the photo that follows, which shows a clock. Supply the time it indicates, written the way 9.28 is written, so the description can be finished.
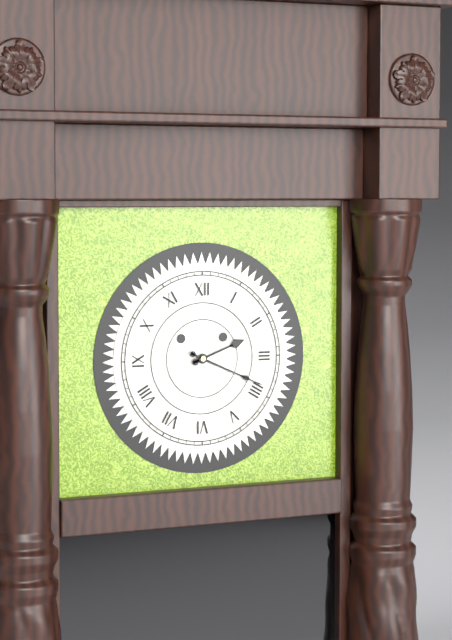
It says 2.19
